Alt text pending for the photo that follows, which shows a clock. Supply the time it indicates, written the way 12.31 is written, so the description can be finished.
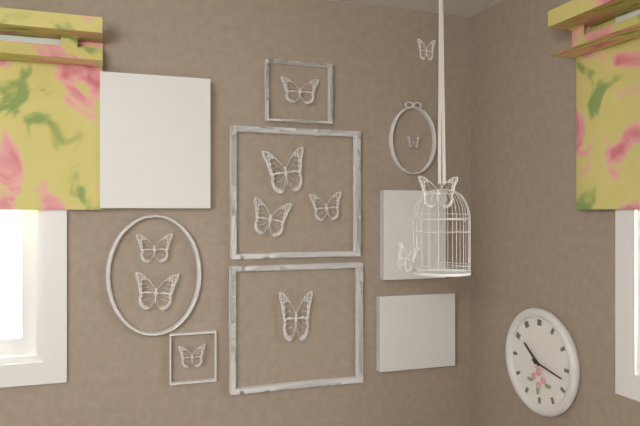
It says 10.17
